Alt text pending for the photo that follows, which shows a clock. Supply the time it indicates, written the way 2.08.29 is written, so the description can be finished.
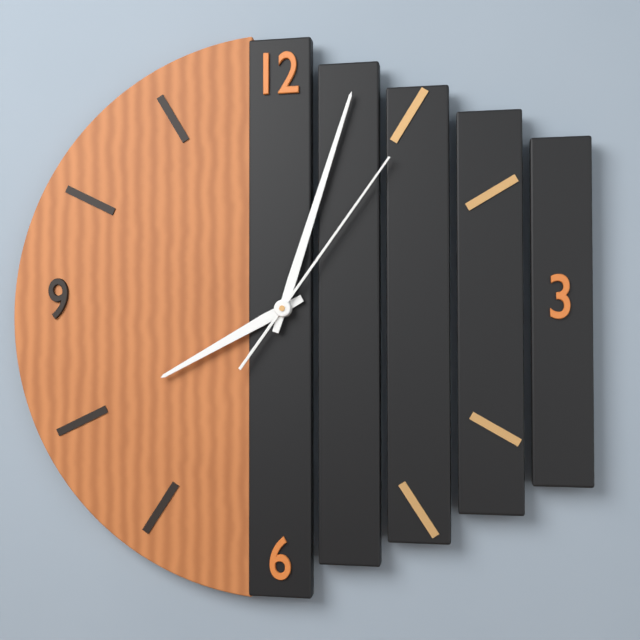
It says 8.03.06
